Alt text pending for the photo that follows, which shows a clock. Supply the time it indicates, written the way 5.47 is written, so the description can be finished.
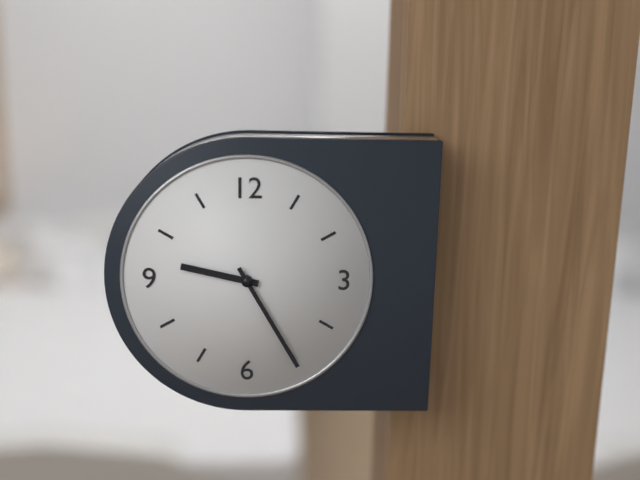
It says 9.25
